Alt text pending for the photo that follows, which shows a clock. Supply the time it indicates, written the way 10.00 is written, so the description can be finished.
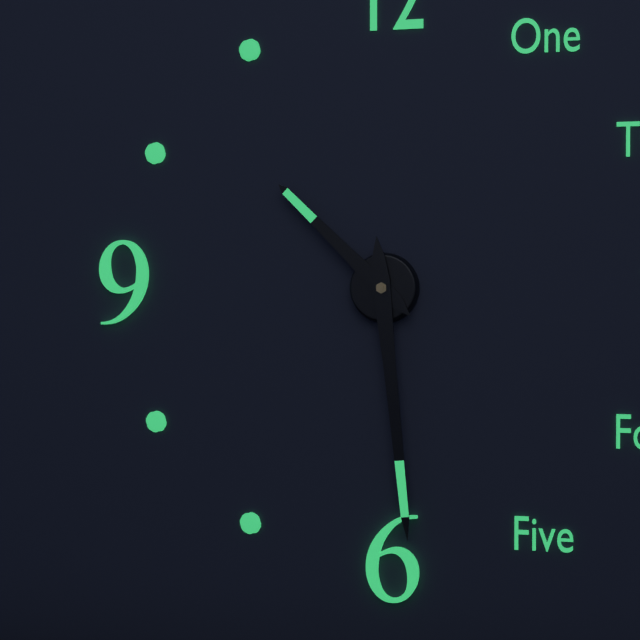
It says 10.29
